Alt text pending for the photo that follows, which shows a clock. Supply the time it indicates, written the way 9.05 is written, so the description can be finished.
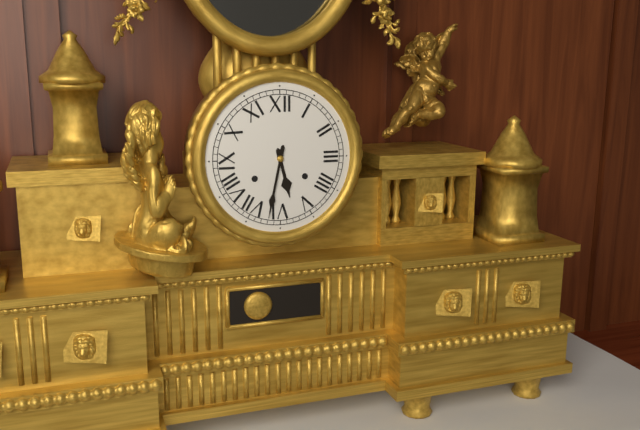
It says 5.32
